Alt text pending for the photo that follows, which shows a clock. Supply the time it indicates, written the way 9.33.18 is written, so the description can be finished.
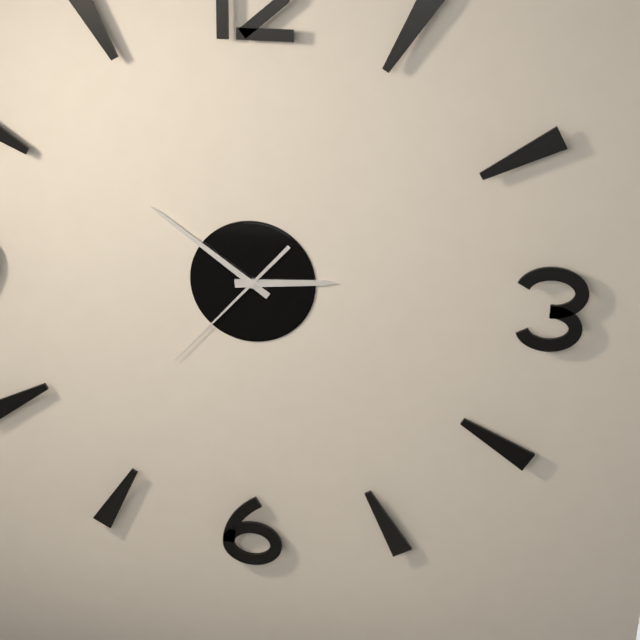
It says 2.51.37
